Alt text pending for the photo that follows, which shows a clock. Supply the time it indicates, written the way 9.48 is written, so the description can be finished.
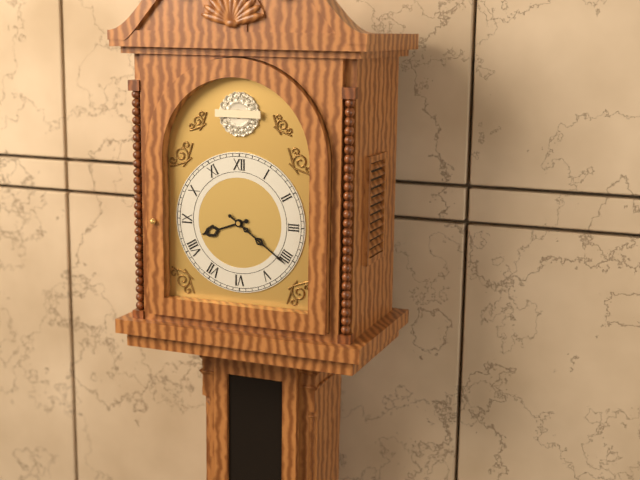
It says 8.21
